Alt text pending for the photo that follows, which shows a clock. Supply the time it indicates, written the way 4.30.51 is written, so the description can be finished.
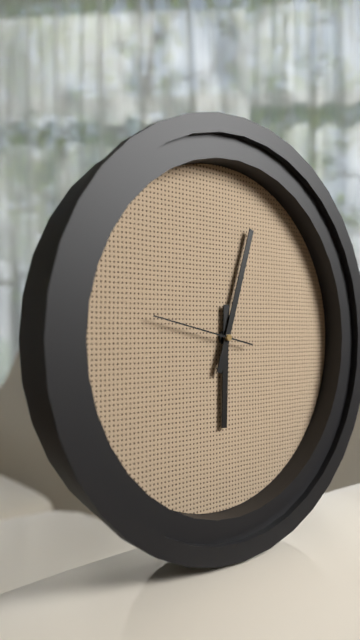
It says 6.03.47
